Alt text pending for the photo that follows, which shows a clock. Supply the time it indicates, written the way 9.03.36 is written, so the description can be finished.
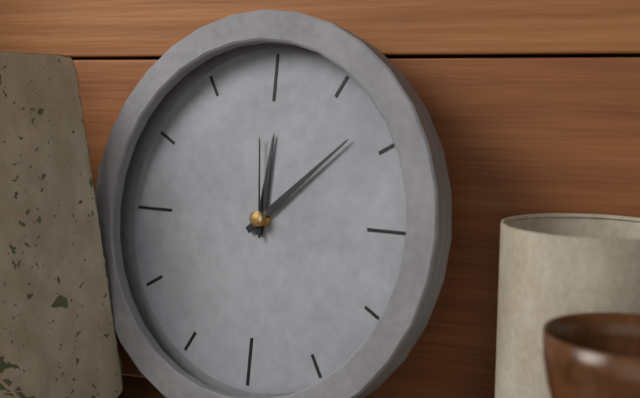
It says 12.08.59
